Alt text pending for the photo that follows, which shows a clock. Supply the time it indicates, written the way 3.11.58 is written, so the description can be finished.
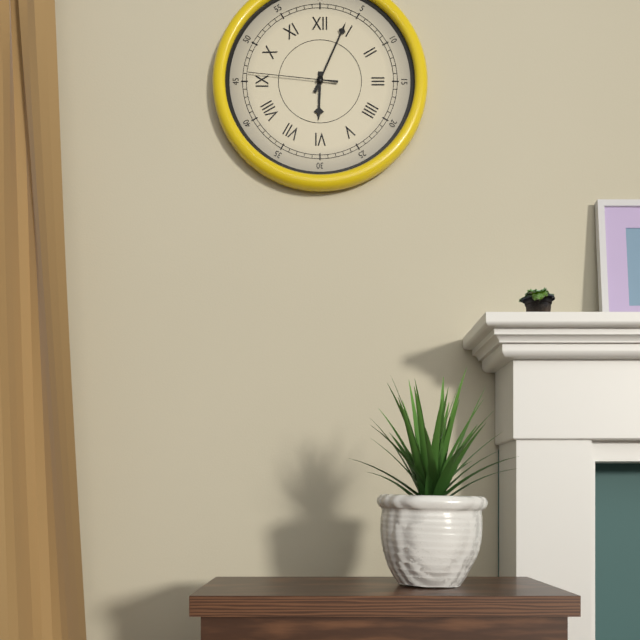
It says 6.04.46
